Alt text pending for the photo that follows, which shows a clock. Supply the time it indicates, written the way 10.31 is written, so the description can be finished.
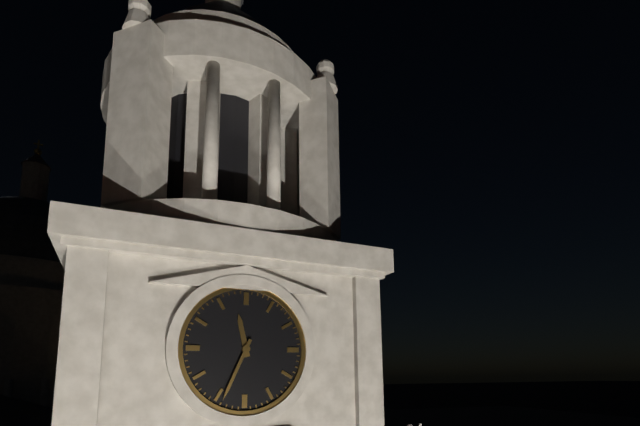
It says 11.34
